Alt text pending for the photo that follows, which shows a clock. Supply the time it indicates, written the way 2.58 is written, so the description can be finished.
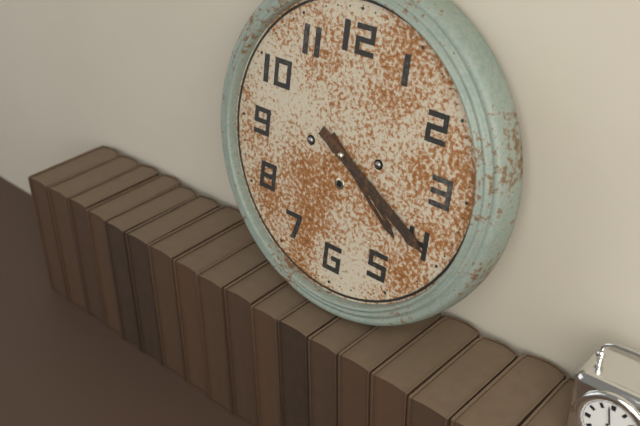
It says 4.20
